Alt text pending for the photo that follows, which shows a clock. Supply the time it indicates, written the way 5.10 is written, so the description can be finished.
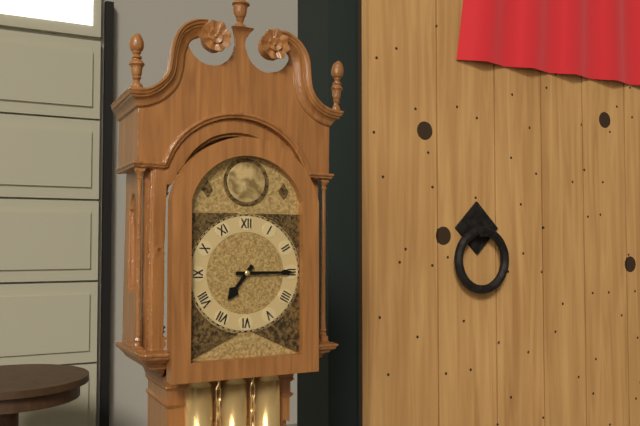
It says 7.15
